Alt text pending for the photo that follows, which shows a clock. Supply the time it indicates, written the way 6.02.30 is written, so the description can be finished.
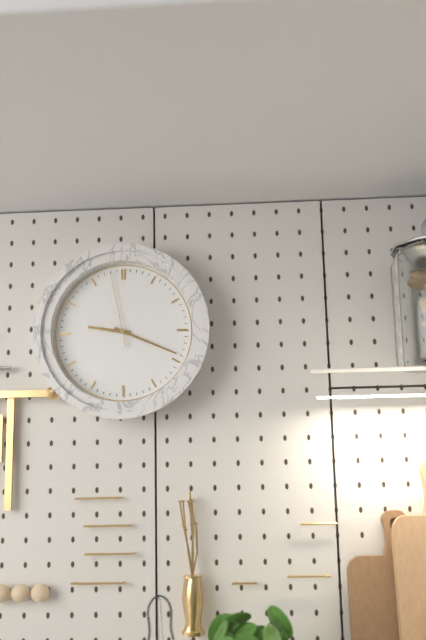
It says 9.19.58
